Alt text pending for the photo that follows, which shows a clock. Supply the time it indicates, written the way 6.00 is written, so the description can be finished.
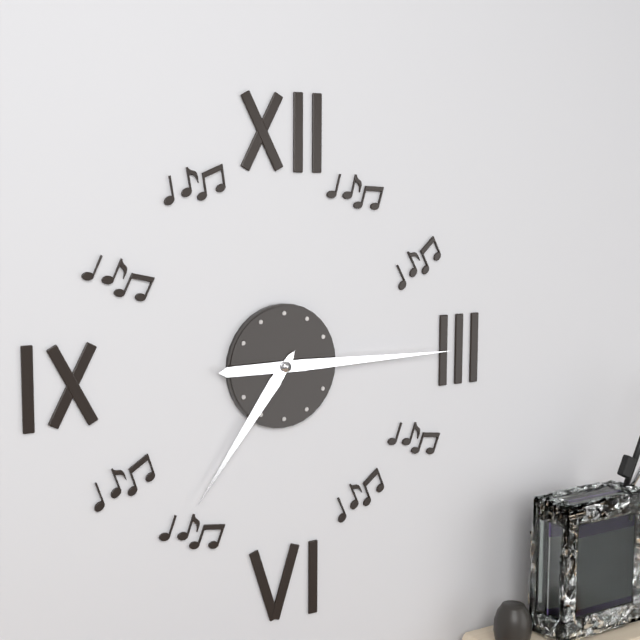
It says 7.15
